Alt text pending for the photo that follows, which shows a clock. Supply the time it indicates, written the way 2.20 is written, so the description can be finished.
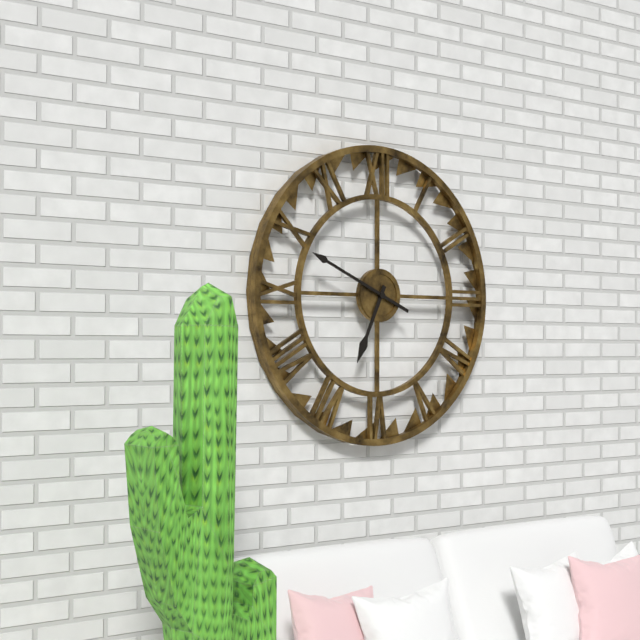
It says 6.49
